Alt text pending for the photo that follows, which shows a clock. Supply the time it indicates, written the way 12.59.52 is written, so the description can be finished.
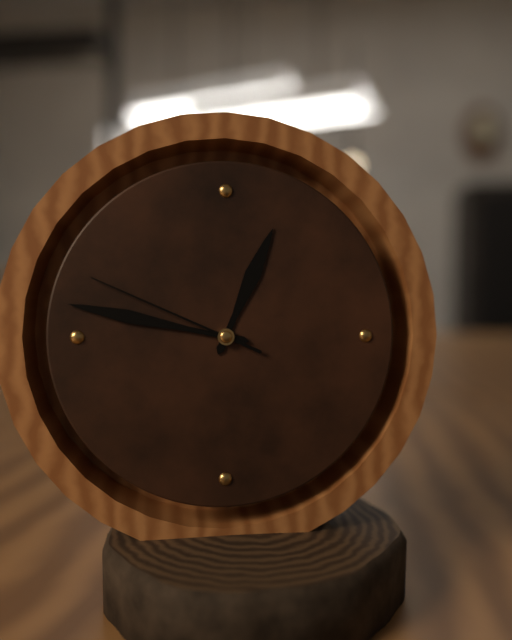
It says 12.47.49
